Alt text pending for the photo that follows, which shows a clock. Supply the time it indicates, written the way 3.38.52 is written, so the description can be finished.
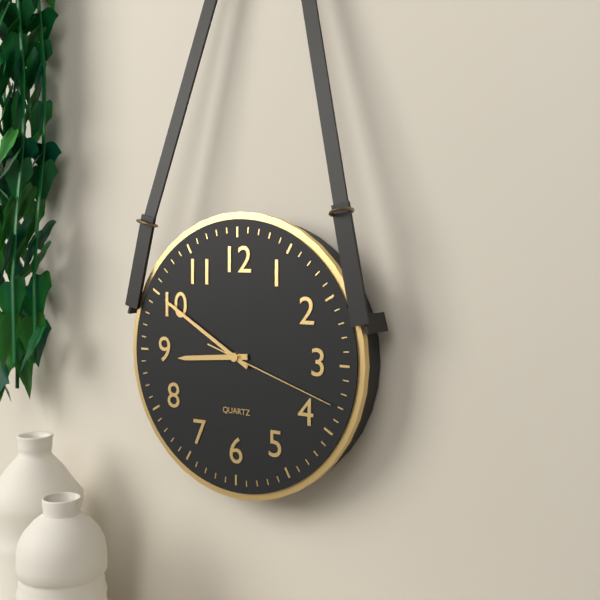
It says 8.50.18
